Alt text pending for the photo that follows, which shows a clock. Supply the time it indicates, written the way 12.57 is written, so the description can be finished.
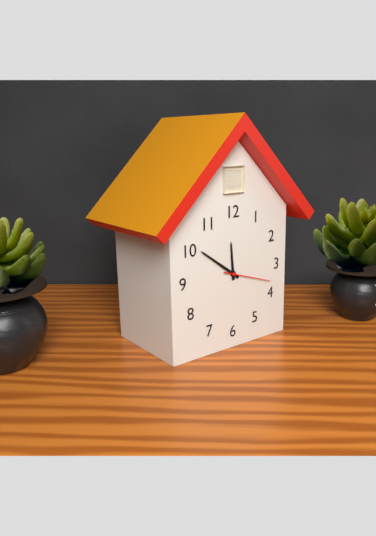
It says 11.51
